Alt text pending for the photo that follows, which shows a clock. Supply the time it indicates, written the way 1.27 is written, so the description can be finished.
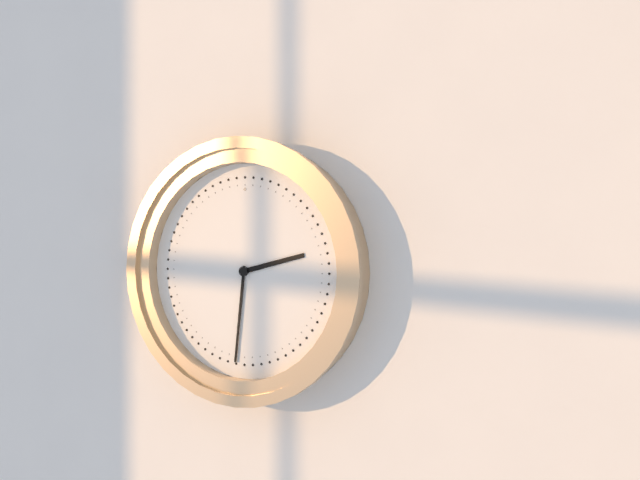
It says 2.31
